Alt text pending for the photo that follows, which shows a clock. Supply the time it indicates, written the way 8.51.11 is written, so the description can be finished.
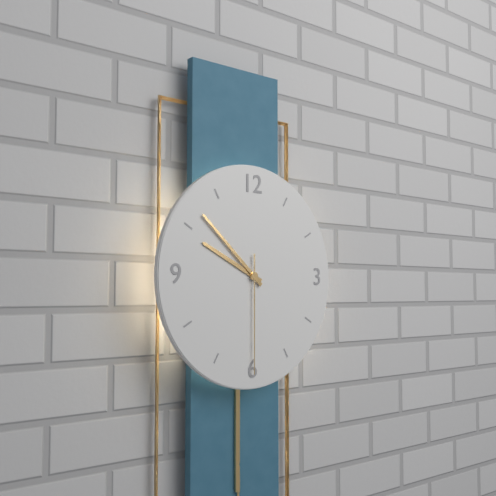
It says 9.52.30
